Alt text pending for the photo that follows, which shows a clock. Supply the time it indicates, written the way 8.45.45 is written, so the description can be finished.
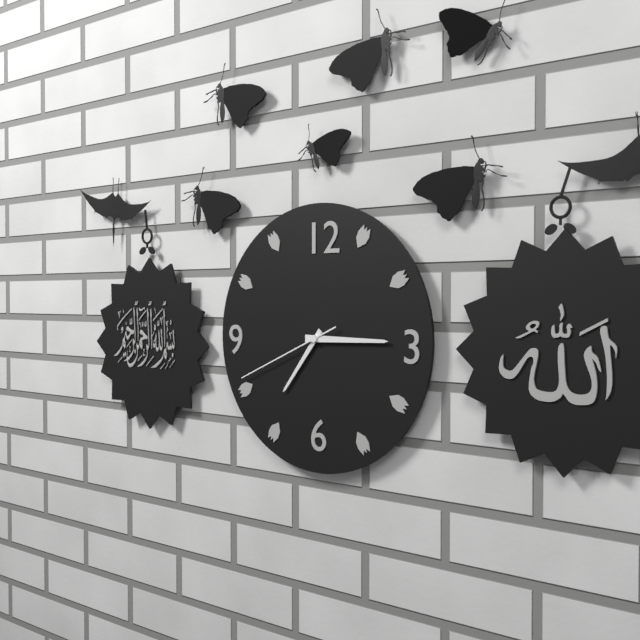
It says 7.15.41
